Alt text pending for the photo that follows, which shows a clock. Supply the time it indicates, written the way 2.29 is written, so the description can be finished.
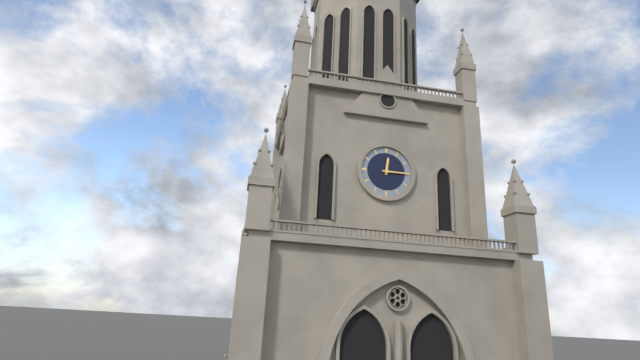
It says 12.15
